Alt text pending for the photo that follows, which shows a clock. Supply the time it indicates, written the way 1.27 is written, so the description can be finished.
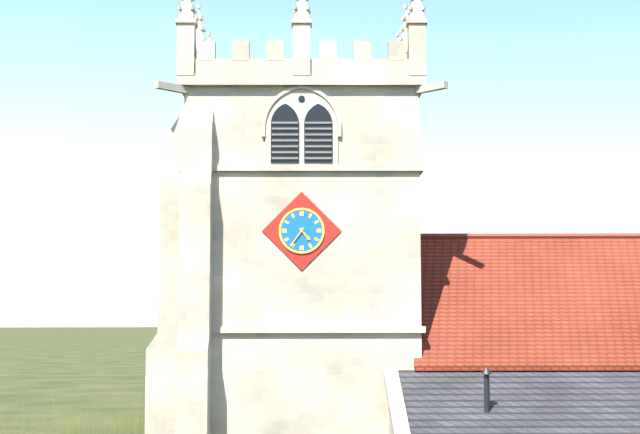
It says 4.36
